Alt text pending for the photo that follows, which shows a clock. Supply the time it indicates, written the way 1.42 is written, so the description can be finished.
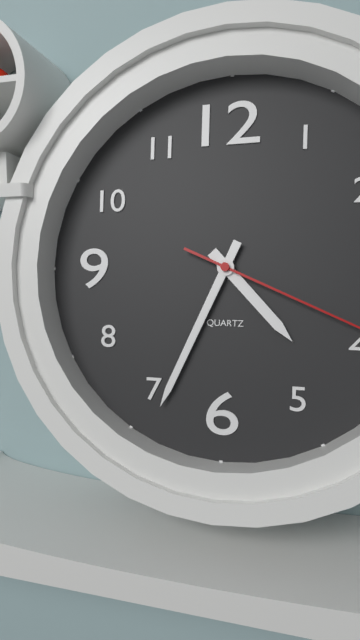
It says 4.34
